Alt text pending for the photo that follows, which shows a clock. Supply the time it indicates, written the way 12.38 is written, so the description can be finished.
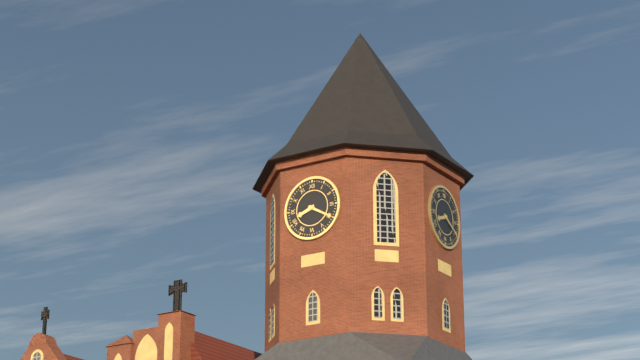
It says 8.20
